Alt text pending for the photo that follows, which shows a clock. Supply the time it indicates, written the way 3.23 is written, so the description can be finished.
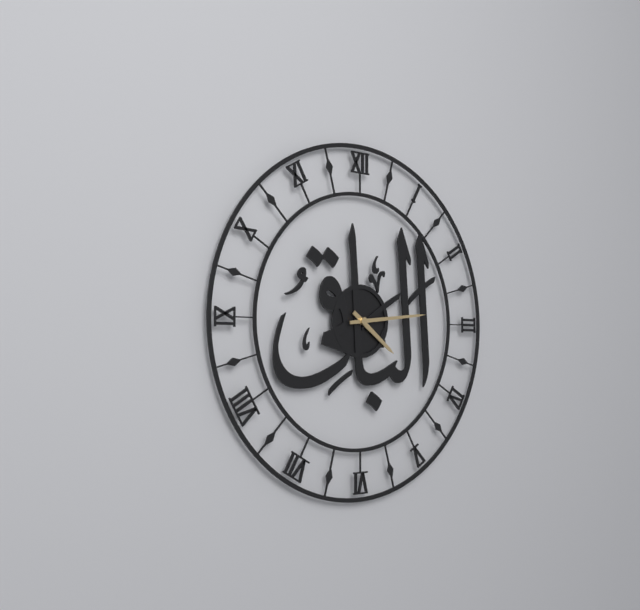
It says 4.14
